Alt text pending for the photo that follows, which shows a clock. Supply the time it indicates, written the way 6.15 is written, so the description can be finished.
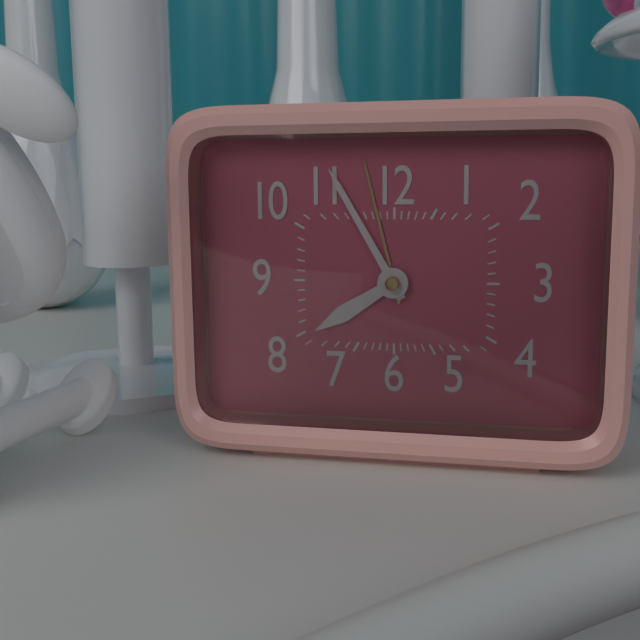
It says 7.55
